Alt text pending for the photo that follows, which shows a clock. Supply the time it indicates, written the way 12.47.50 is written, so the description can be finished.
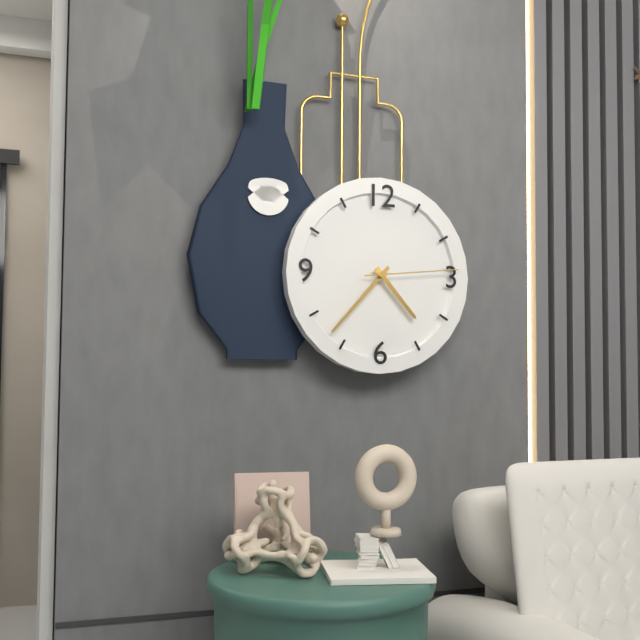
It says 4.37.14
